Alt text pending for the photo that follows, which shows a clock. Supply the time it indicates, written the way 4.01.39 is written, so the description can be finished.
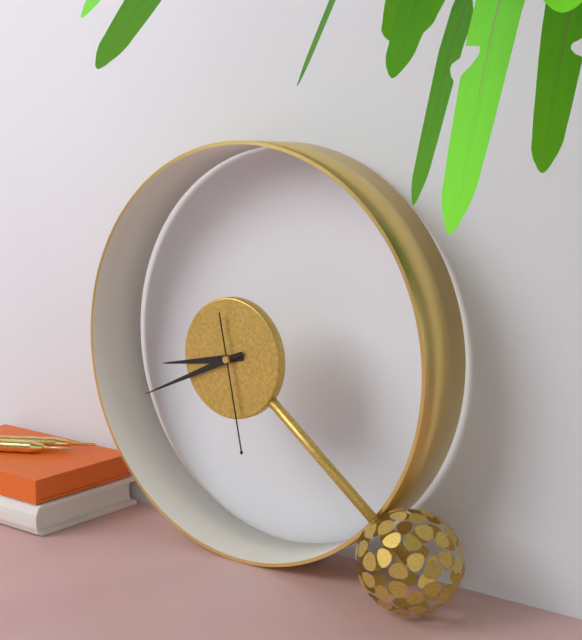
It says 8.41.28
